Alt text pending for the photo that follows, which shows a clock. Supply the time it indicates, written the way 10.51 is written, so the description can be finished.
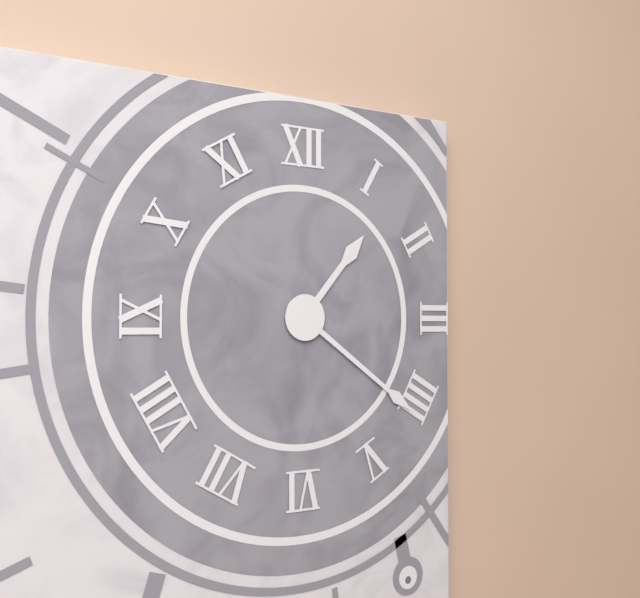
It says 1.21
